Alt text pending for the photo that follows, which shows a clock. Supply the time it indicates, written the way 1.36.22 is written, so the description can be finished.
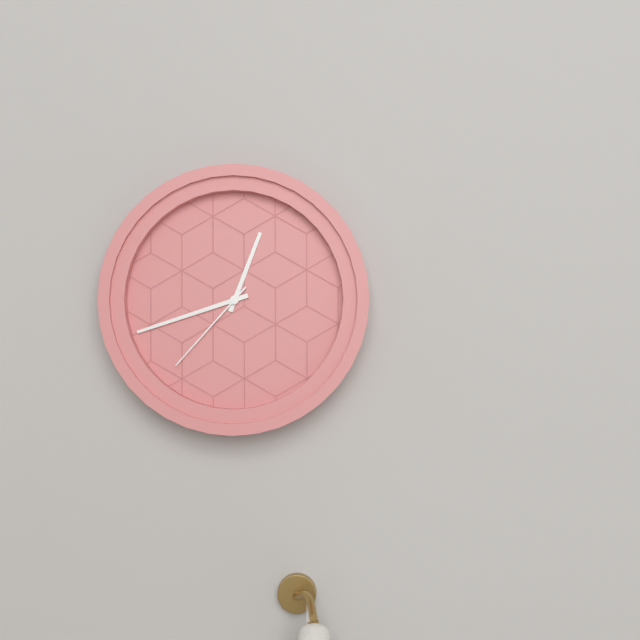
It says 12.42.37
